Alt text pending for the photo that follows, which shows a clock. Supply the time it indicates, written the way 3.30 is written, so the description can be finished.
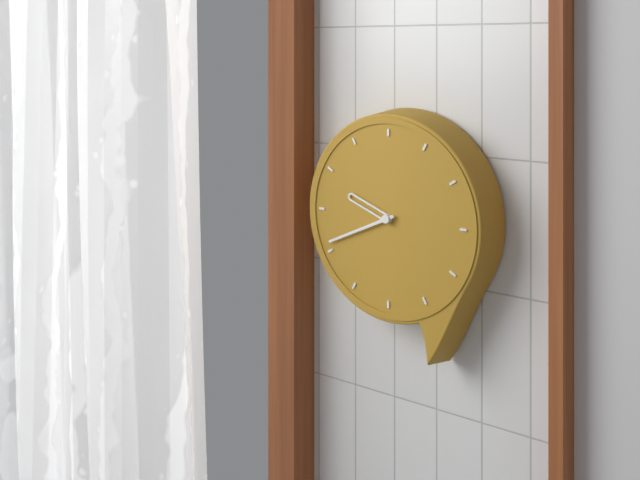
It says 9.41
